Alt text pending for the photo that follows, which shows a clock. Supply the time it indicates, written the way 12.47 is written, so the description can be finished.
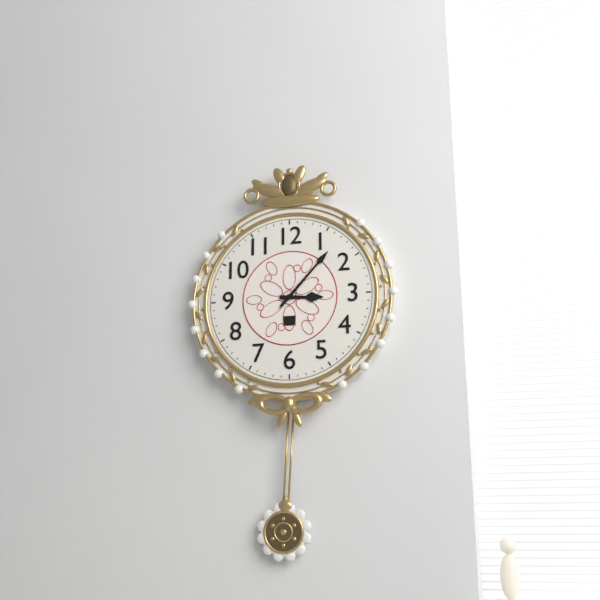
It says 3.07
